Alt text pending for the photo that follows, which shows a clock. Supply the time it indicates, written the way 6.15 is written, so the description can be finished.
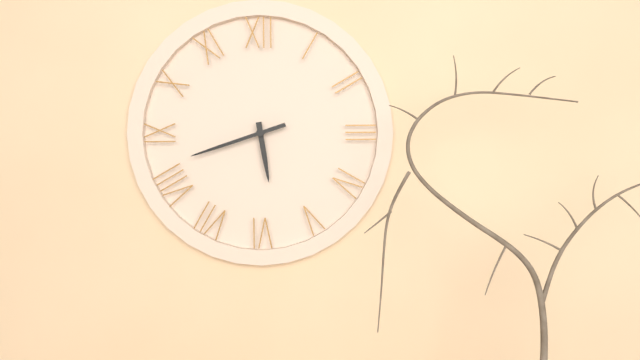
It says 5.42
